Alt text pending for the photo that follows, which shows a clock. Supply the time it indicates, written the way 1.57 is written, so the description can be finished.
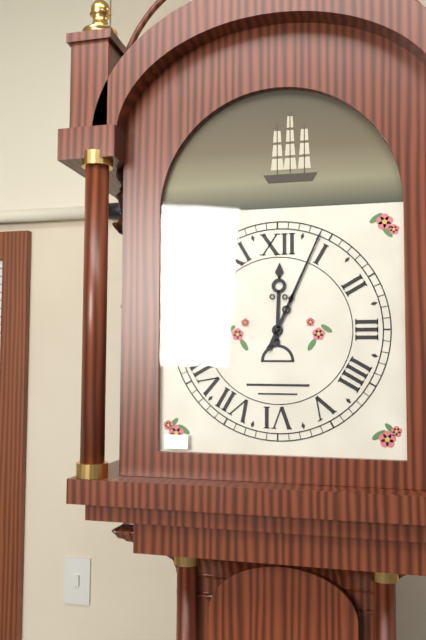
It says 12.04
